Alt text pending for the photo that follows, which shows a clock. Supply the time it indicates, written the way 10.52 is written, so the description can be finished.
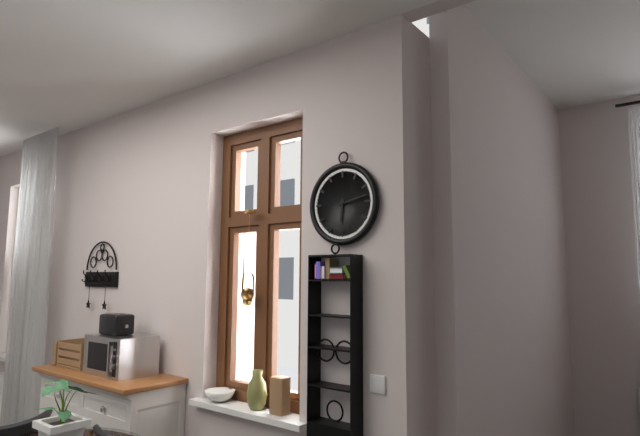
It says 6.13
